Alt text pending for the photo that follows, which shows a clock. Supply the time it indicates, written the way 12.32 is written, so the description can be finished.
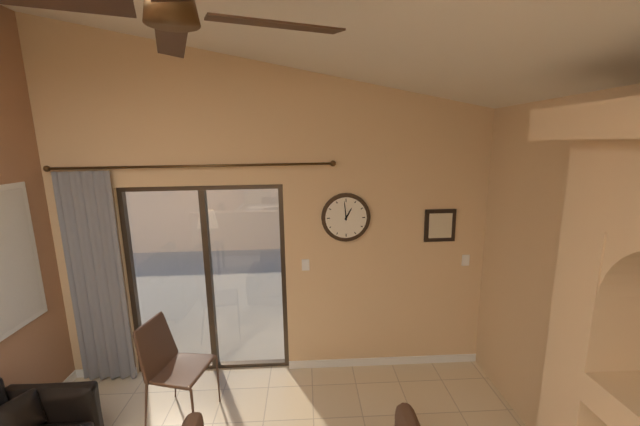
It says 12.59
